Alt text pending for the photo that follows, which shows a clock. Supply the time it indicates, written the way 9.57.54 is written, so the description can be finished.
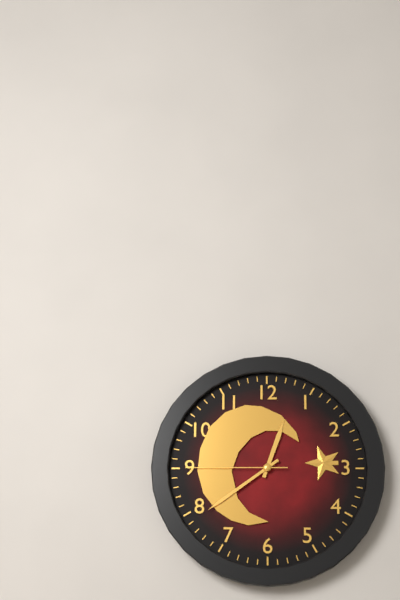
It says 12.39.45
